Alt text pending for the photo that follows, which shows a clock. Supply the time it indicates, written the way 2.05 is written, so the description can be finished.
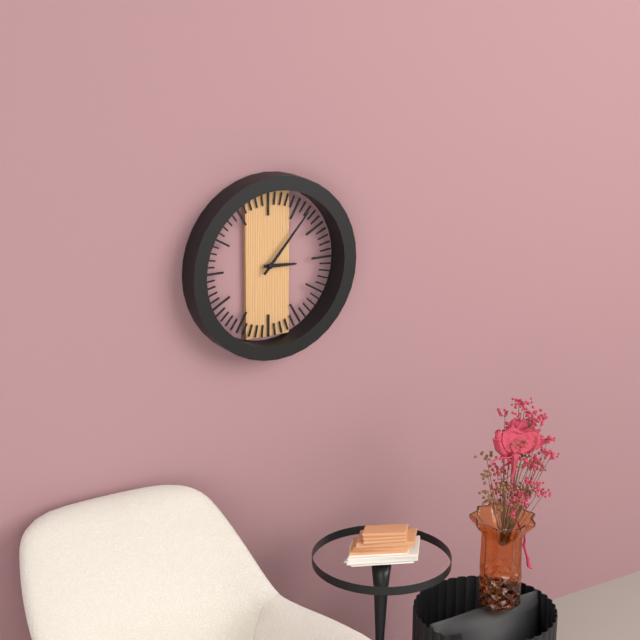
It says 3.07
